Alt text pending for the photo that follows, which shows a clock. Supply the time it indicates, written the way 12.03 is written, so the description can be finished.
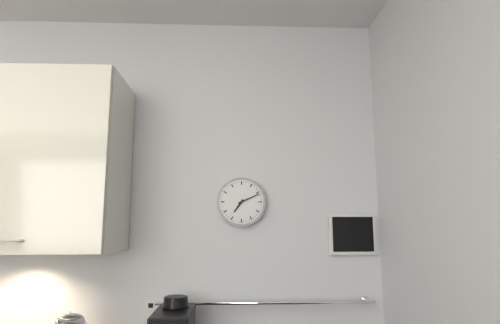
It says 7.11
